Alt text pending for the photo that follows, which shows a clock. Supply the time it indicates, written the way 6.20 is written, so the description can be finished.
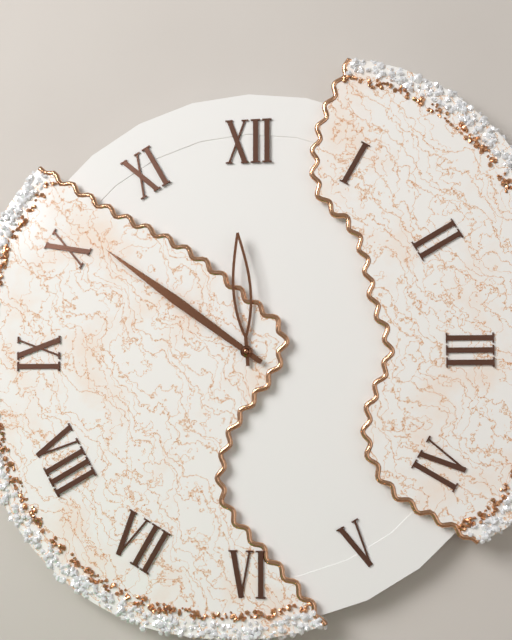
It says 11.51
